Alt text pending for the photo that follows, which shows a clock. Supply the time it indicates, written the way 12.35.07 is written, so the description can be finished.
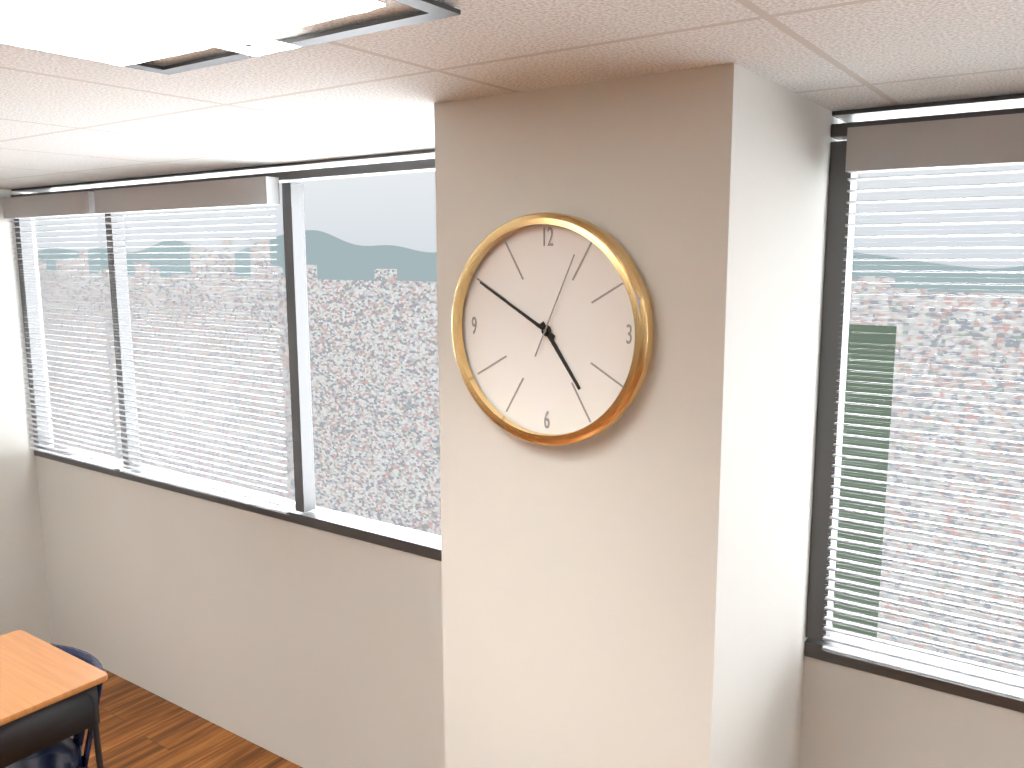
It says 4.50.04
